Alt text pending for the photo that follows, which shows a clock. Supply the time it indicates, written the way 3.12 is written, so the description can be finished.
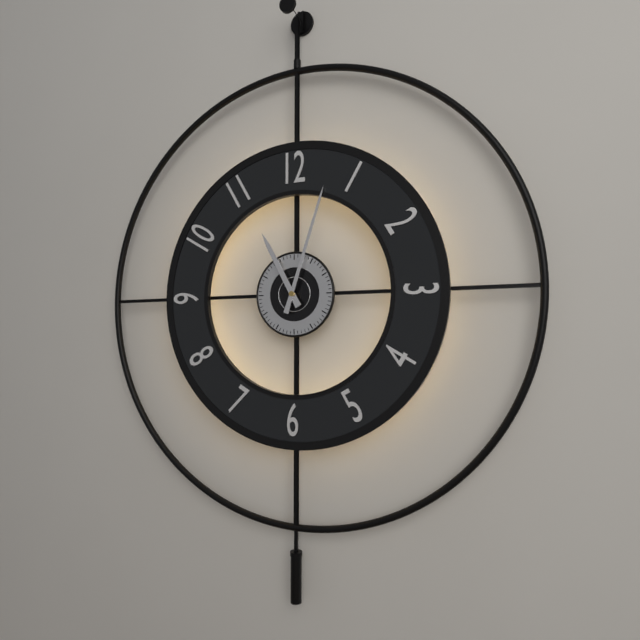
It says 11.03
